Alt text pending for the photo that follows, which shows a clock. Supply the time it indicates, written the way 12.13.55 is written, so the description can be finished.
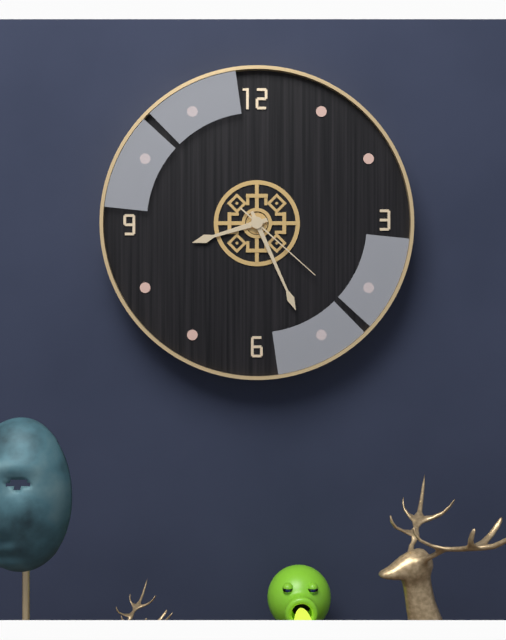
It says 8.26.22
